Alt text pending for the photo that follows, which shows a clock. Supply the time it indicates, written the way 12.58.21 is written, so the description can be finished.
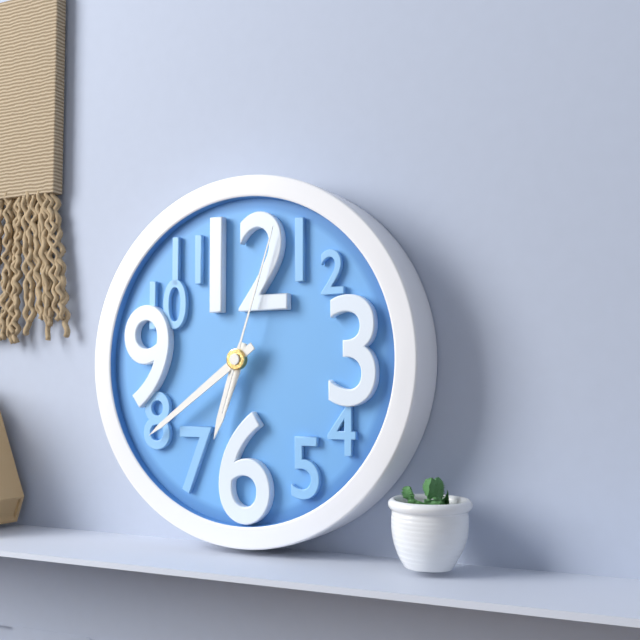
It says 6.39.03
